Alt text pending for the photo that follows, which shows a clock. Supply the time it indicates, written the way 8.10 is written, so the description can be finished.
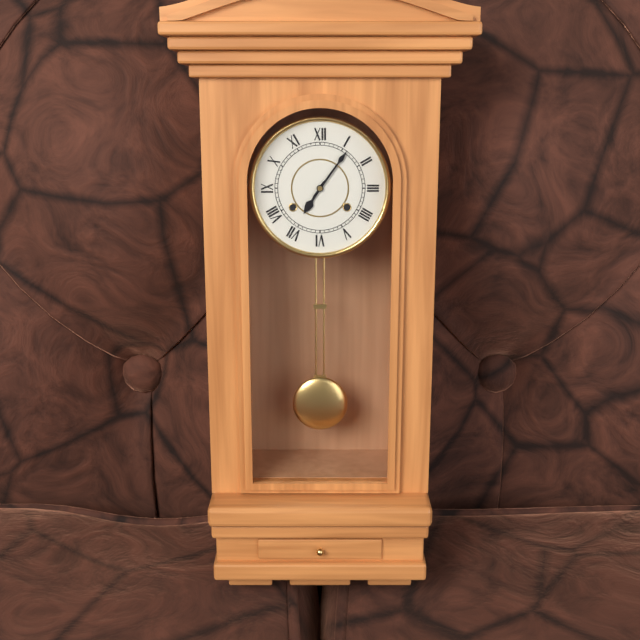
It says 7.06
